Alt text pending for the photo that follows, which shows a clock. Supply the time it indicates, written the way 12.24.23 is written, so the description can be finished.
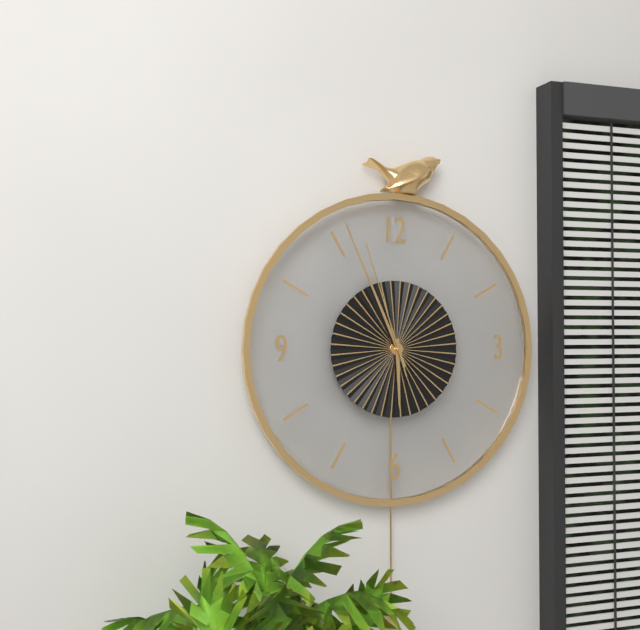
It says 5.56.57
